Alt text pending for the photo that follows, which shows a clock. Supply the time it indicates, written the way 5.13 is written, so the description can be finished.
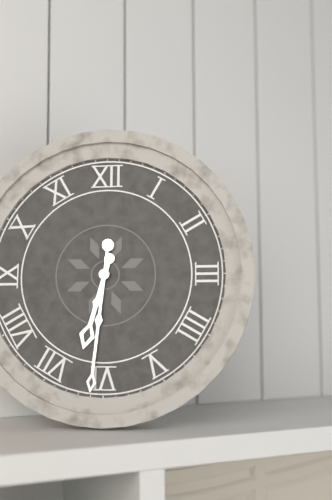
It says 6.31
